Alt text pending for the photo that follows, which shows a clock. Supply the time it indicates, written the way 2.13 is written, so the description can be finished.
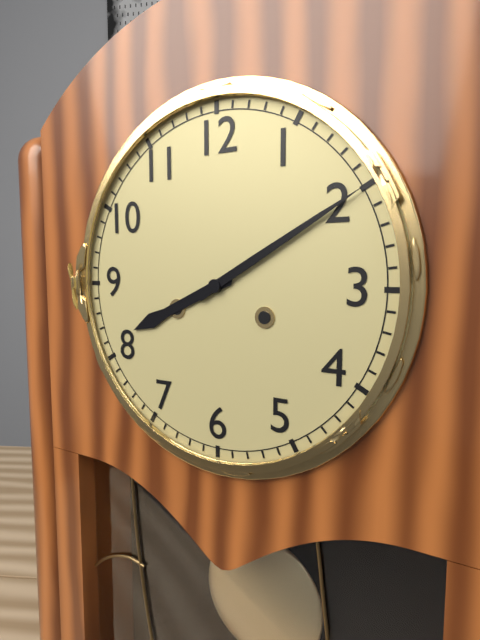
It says 8.10
